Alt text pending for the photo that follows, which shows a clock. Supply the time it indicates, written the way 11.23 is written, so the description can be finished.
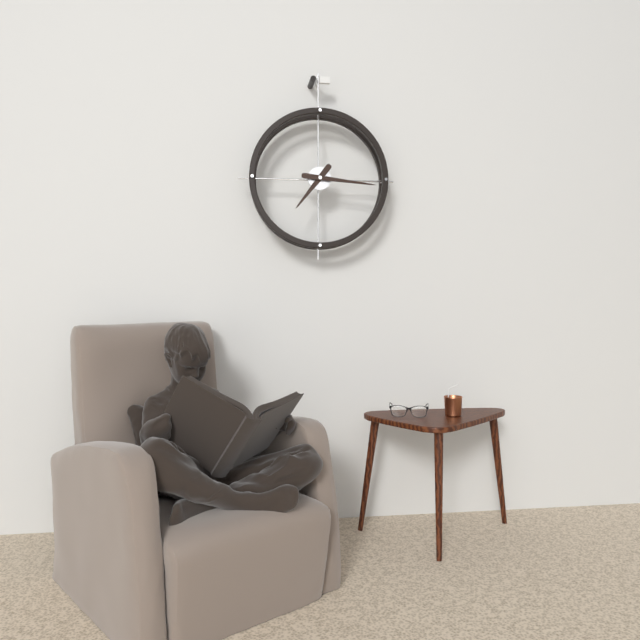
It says 7.16
